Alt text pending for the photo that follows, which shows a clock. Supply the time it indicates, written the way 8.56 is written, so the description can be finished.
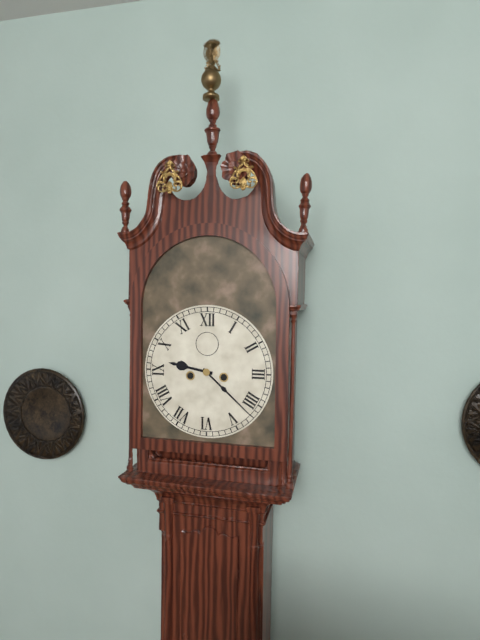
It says 9.22
